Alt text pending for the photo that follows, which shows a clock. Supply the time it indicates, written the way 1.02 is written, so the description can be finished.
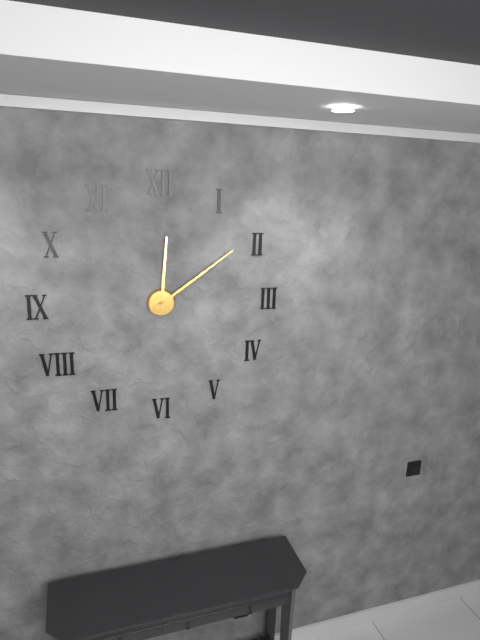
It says 12.09
